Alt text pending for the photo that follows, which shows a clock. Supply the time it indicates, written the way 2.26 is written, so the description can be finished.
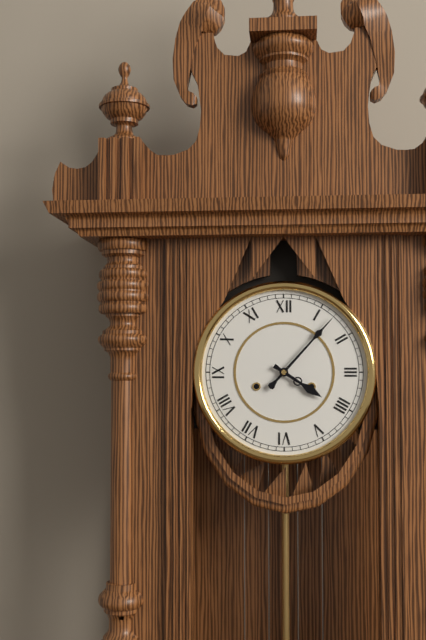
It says 4.07
